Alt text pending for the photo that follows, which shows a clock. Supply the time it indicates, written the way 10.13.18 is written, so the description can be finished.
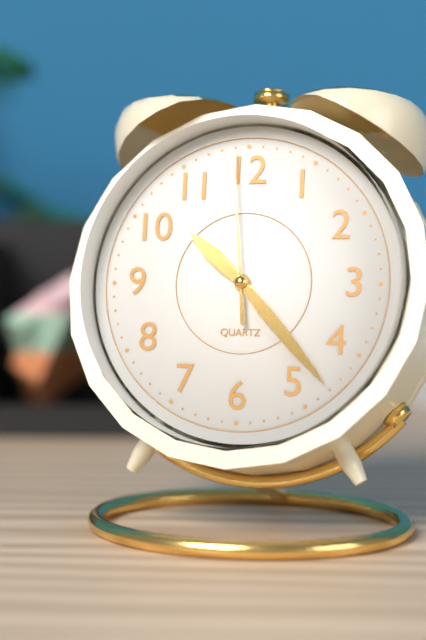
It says 10.23.59
